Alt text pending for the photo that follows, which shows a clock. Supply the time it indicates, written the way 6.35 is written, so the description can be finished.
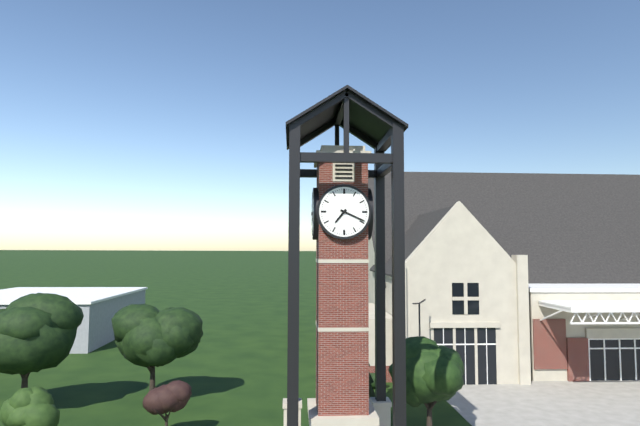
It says 7.19
